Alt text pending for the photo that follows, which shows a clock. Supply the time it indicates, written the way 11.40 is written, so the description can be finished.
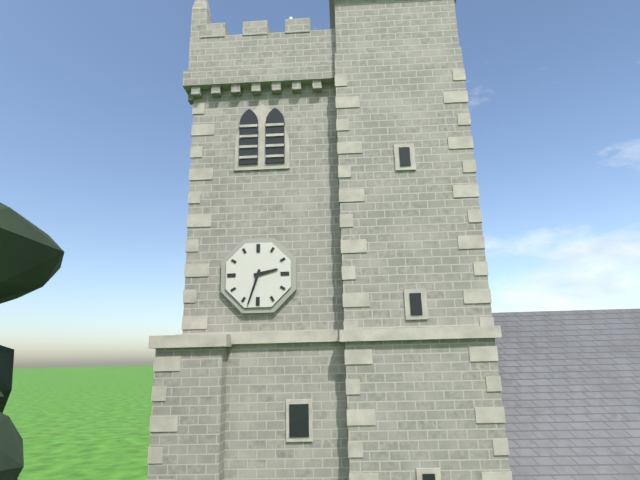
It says 2.33
